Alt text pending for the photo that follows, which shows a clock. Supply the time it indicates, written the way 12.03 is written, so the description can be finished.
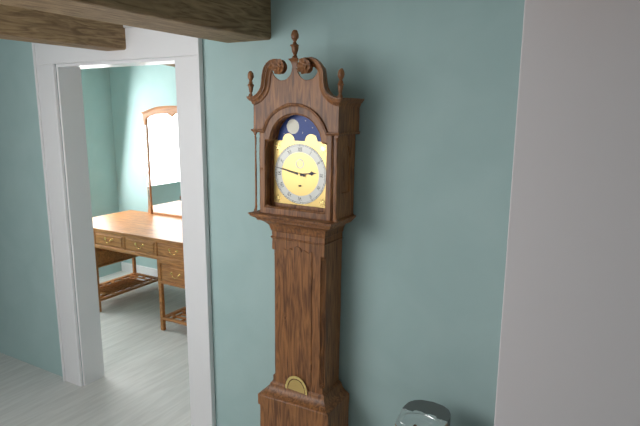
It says 2.47
